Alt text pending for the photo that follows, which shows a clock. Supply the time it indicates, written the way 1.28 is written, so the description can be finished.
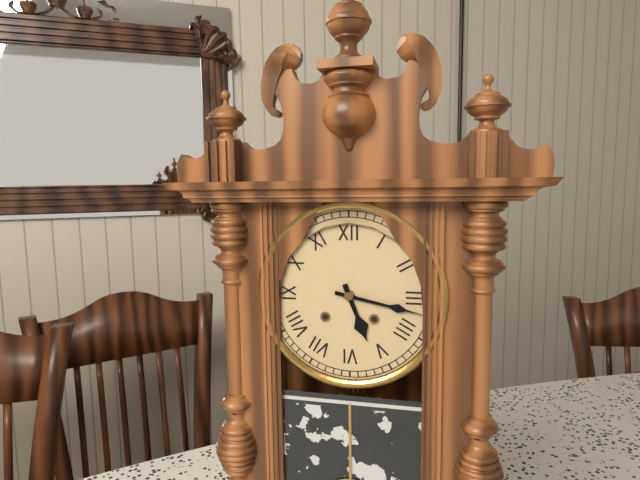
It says 5.17
